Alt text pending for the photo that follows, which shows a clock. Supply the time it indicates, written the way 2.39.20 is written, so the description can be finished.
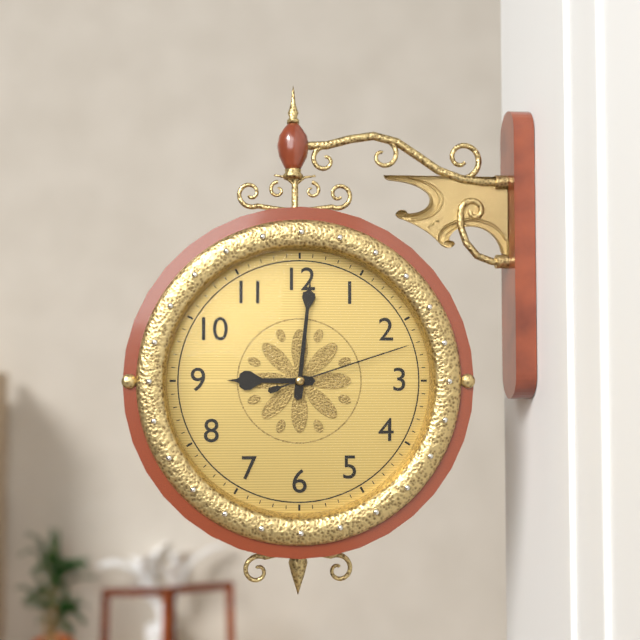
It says 9.01.12
